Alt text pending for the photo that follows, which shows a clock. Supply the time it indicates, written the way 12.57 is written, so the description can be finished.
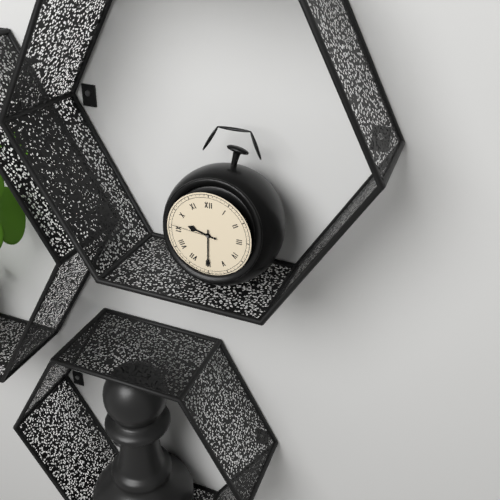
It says 9.30
